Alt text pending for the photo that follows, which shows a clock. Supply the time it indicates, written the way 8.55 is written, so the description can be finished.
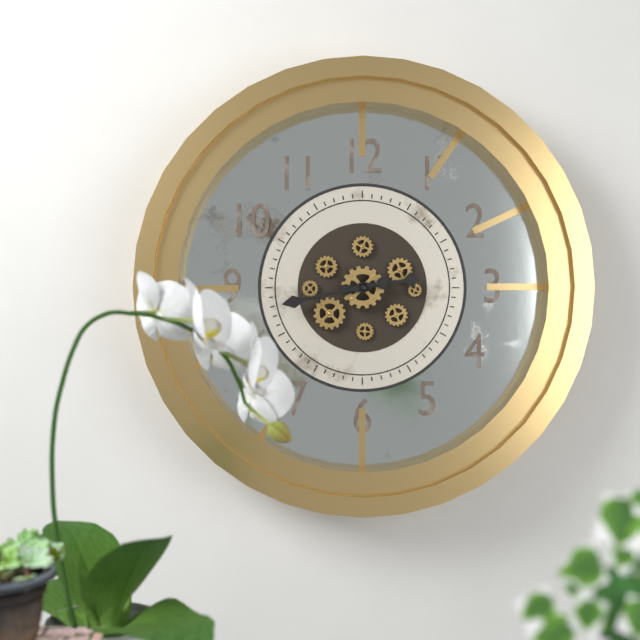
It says 2.43
